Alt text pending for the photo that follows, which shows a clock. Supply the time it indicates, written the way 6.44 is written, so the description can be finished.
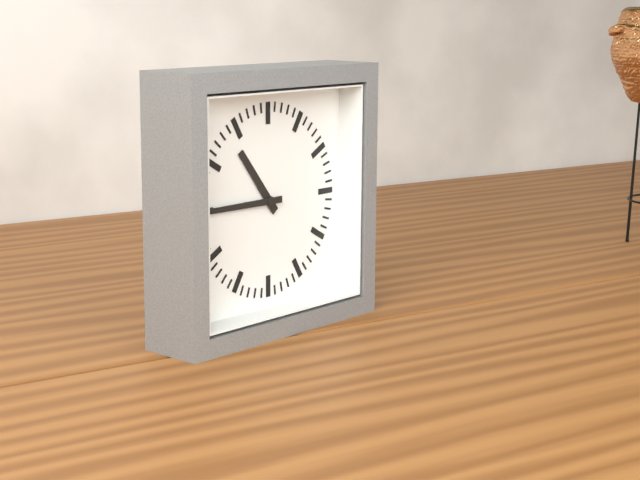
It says 10.45
